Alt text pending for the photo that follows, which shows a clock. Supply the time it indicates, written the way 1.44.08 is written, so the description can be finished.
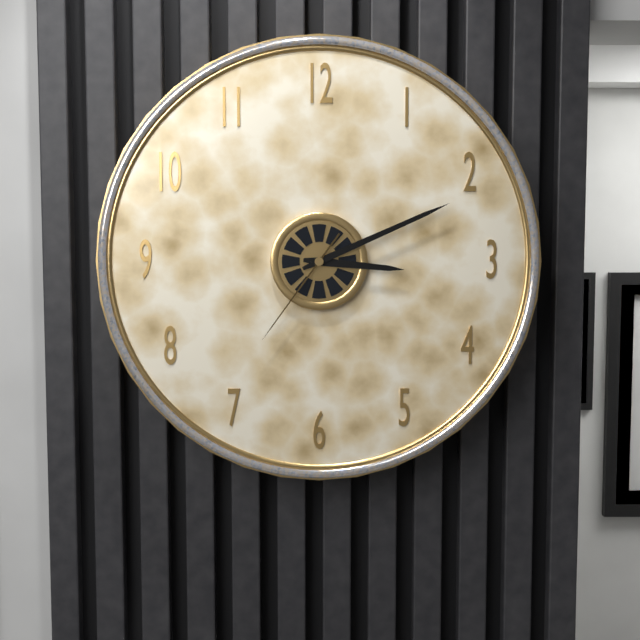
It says 3.11.36
